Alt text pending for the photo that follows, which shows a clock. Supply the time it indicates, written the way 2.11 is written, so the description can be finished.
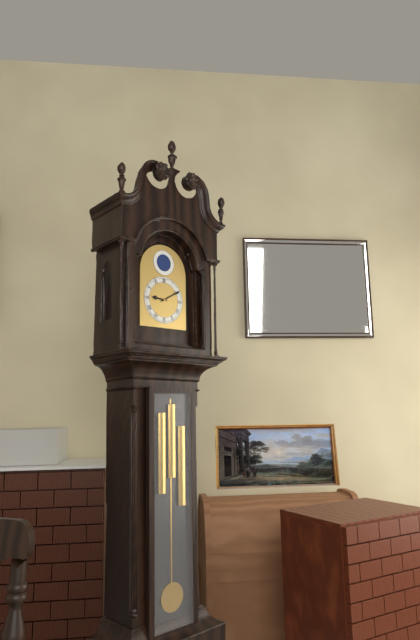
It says 9.10
